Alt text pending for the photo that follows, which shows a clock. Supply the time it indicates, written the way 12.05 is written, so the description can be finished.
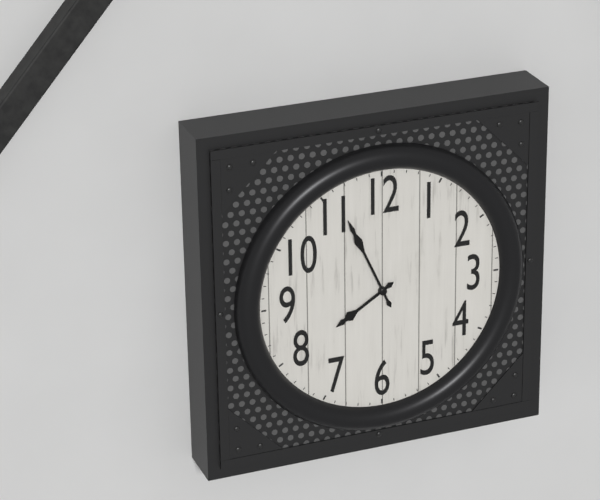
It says 7.56
